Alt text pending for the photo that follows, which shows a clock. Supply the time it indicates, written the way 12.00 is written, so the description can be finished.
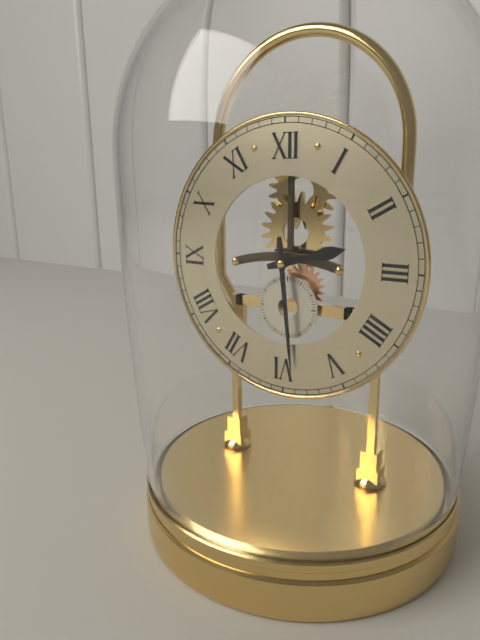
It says 2.29
